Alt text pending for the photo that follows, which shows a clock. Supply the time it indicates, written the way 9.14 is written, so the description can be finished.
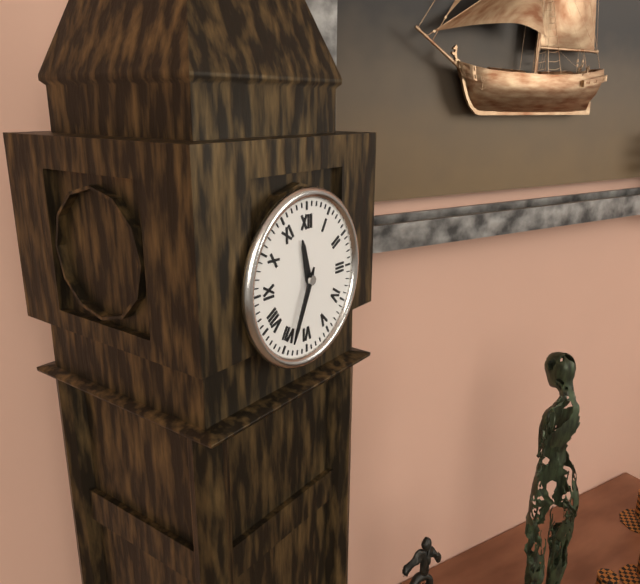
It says 11.34
